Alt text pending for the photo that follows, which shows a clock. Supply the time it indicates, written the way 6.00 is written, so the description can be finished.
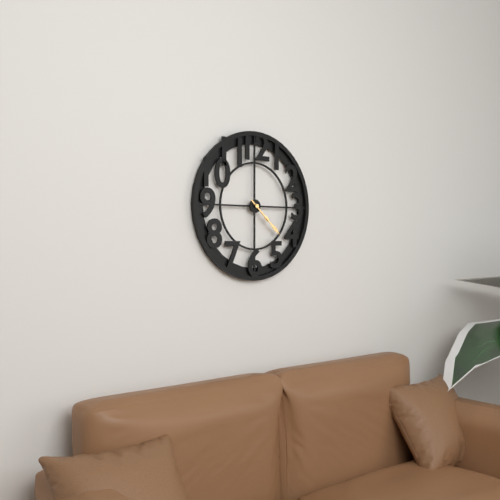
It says 4.22
